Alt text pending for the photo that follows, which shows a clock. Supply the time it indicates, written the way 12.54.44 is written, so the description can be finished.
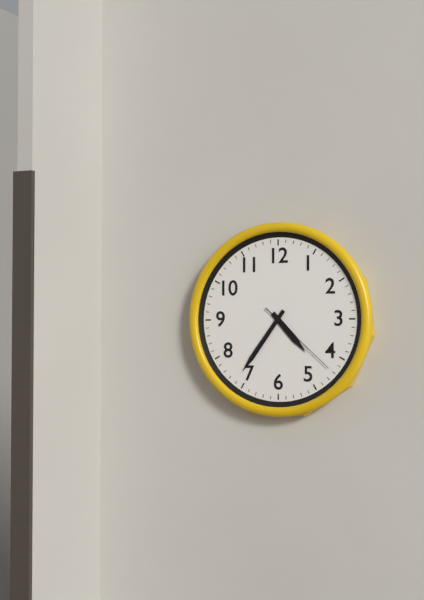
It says 4.36.22
